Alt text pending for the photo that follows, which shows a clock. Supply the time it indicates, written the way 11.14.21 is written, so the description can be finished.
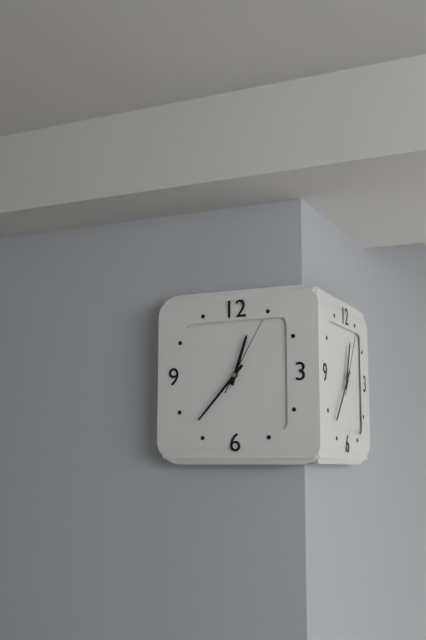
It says 12.37.05
